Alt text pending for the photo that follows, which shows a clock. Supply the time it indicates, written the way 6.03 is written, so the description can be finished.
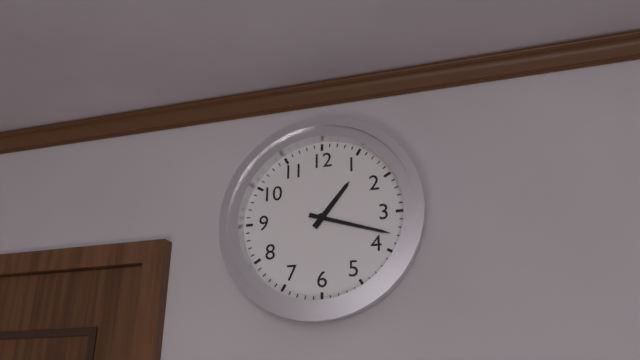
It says 1.18
